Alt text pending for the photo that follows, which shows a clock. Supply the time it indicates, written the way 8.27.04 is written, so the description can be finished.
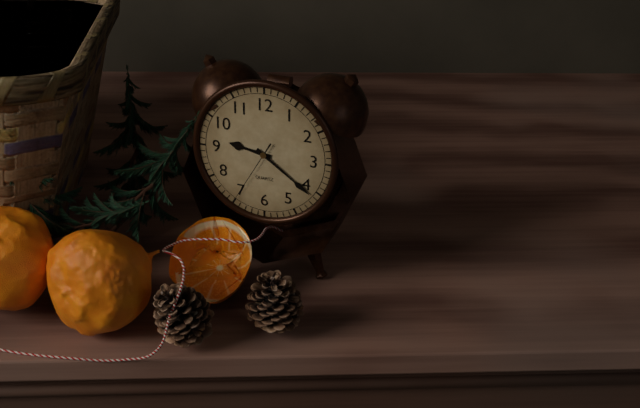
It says 9.21.35
